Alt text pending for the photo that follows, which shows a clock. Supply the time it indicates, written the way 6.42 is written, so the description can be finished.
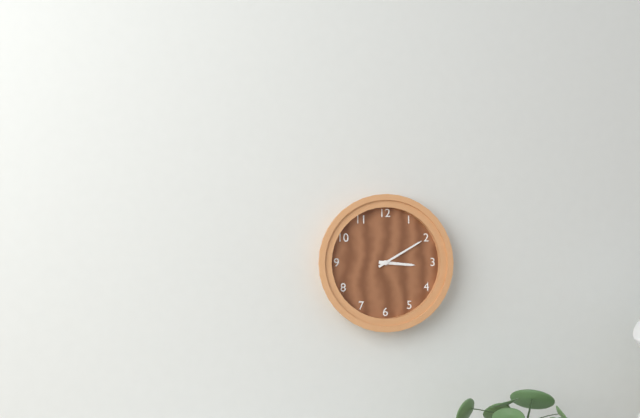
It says 3.10
